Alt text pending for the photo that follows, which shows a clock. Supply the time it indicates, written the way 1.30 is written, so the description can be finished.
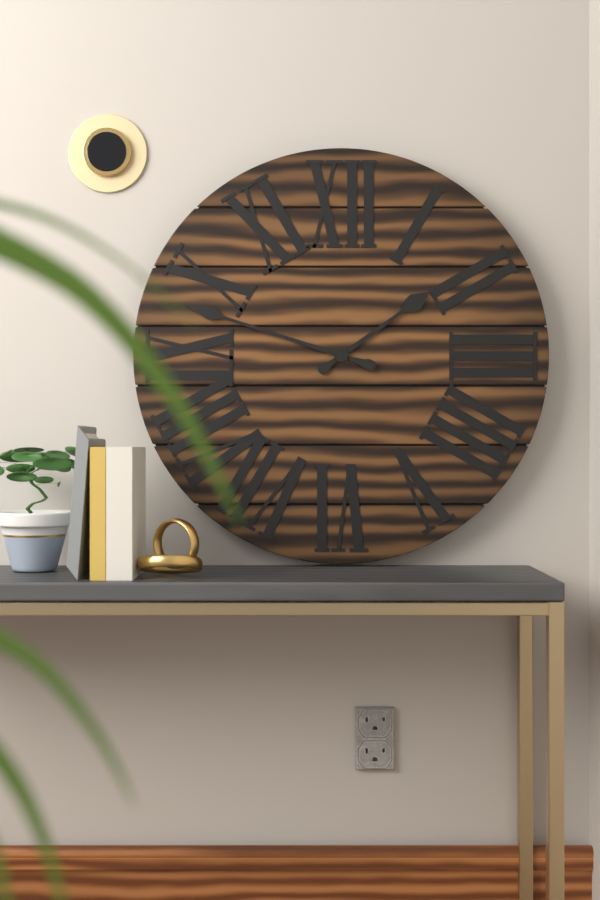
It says 1.48
